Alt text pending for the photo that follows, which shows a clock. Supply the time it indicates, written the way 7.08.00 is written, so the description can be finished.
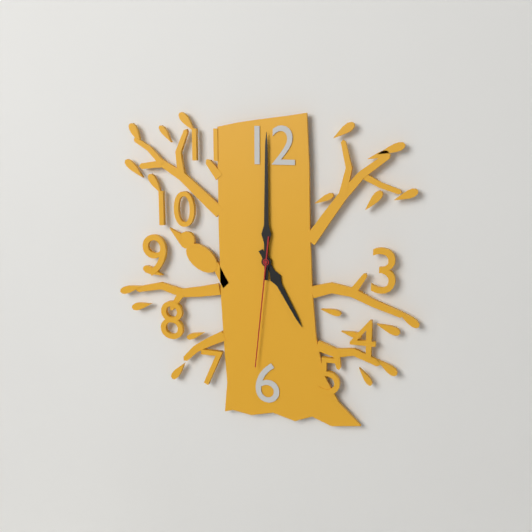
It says 5.00.31
